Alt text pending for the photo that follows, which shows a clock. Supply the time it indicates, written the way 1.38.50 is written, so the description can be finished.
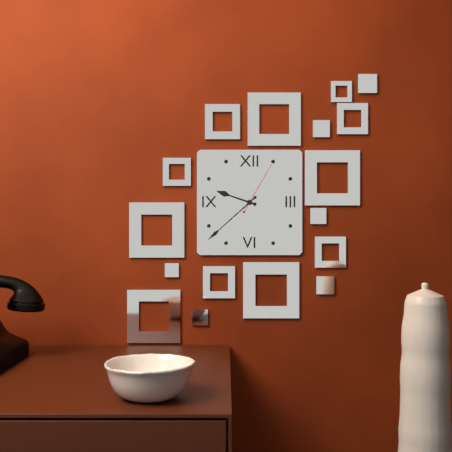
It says 9.38.05
